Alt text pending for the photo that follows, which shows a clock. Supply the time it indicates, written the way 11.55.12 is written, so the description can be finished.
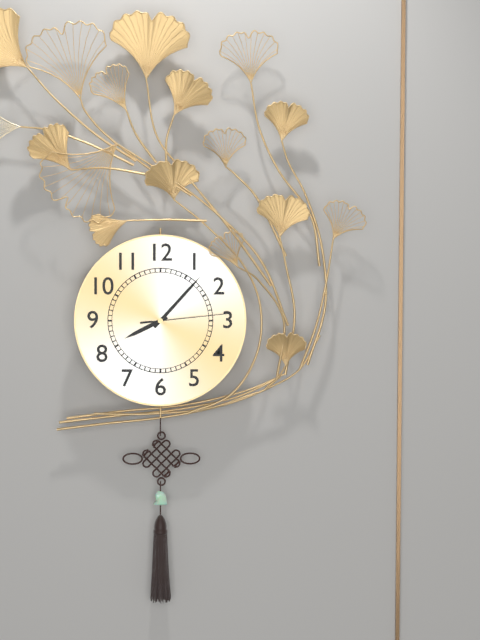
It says 8.07.14
